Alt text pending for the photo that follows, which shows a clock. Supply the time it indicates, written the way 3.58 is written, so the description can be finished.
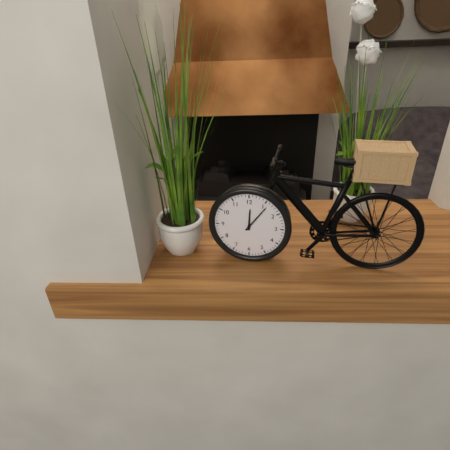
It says 12.06
